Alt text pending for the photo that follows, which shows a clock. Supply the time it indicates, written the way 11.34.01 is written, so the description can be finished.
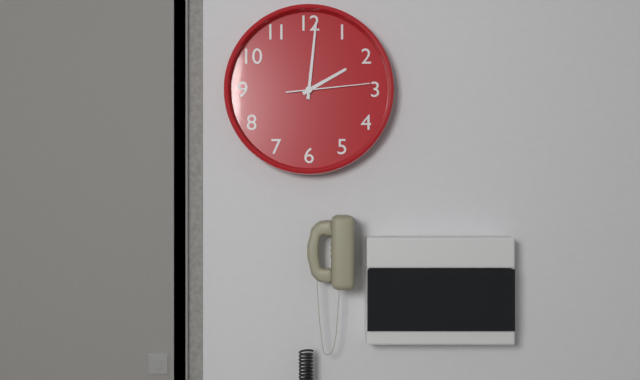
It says 2.01.14
